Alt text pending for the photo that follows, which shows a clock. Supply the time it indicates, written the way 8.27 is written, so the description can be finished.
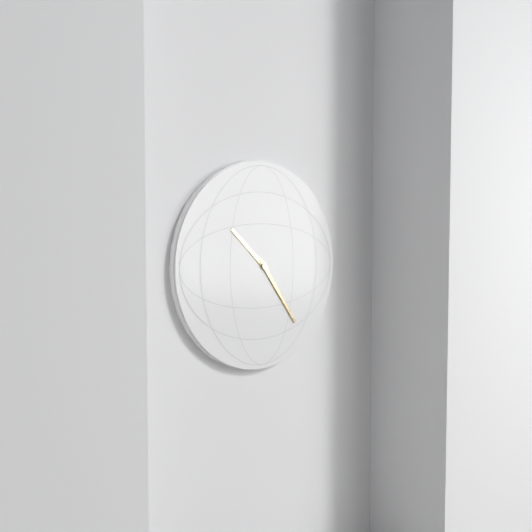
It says 10.24
